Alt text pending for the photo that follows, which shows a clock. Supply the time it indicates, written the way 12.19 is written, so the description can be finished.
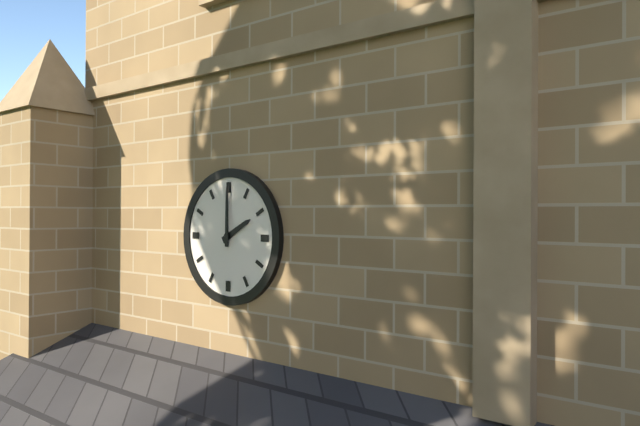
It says 2.00
